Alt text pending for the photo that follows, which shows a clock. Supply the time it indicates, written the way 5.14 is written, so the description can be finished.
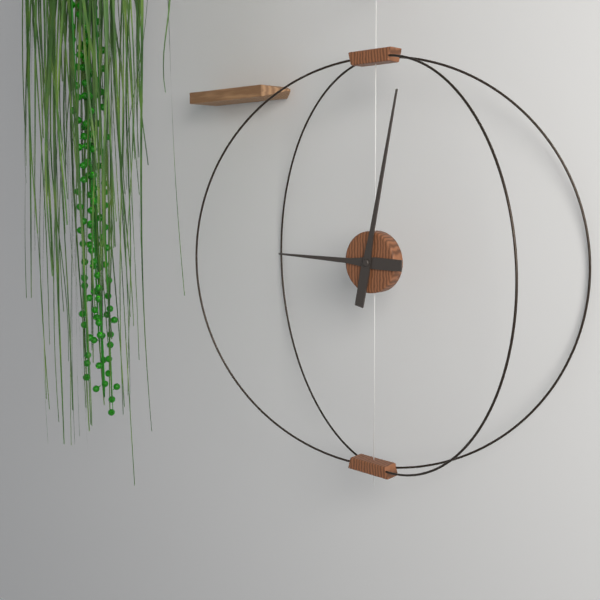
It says 9.02
